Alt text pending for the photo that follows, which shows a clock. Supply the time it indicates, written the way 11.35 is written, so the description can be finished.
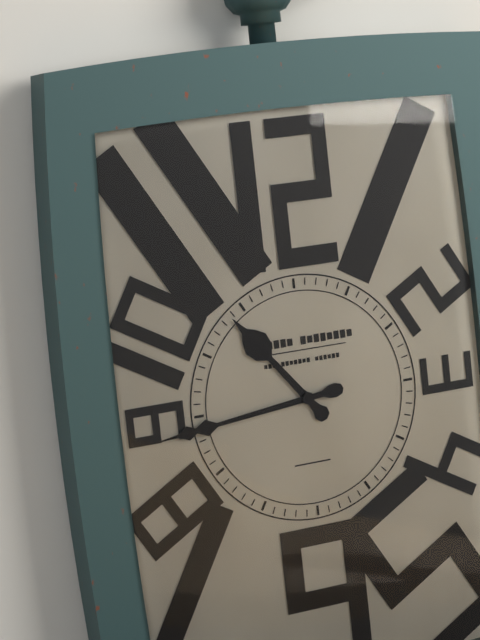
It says 10.44
